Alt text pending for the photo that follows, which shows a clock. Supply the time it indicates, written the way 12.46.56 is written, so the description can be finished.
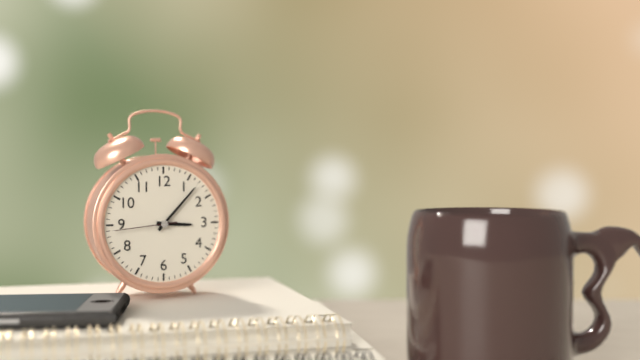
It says 3.07.44
